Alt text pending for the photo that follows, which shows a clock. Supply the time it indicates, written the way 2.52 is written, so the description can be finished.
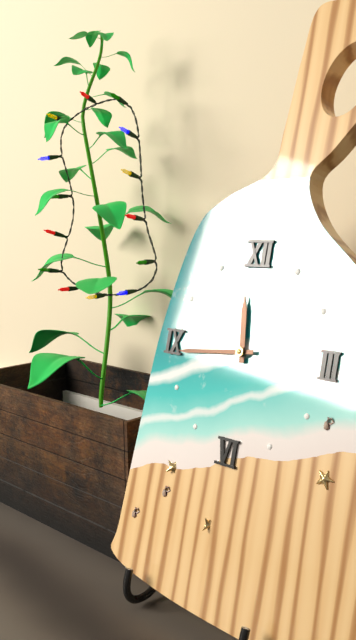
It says 11.44
